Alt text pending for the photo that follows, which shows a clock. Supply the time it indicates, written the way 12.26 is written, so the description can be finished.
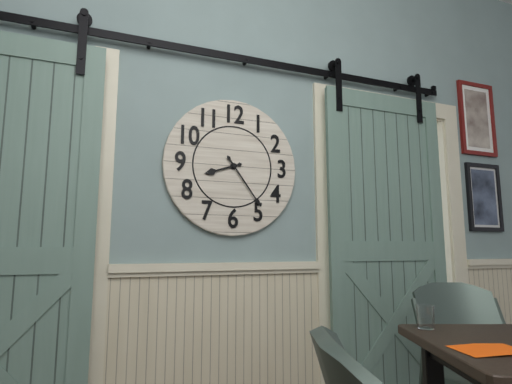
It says 8.24
